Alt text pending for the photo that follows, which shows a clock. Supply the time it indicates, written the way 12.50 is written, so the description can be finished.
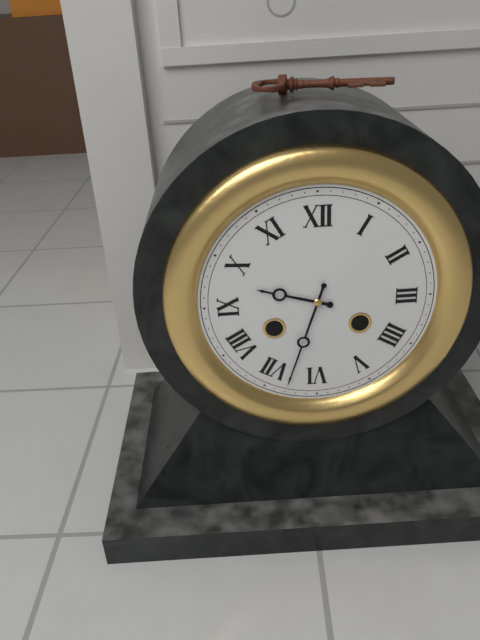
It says 9.33
